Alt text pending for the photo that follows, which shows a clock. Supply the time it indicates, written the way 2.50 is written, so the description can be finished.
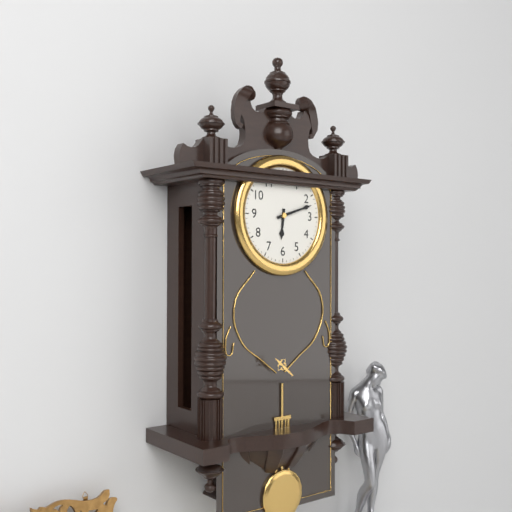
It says 6.12
